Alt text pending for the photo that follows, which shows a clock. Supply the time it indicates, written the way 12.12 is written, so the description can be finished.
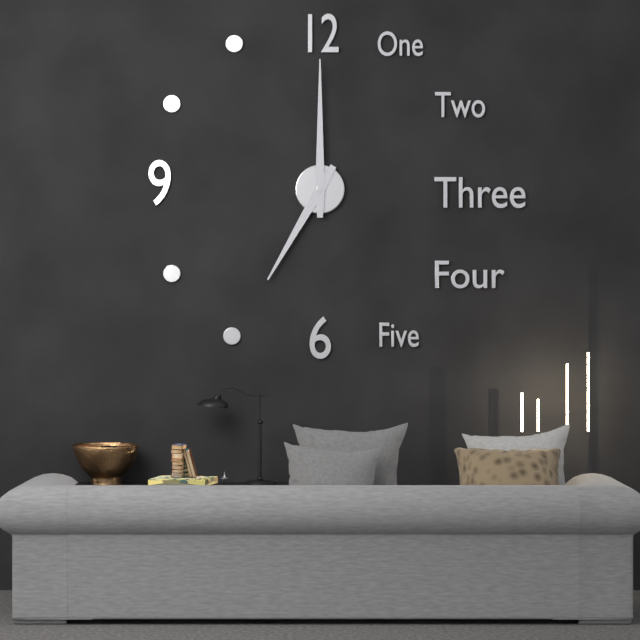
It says 7.00
